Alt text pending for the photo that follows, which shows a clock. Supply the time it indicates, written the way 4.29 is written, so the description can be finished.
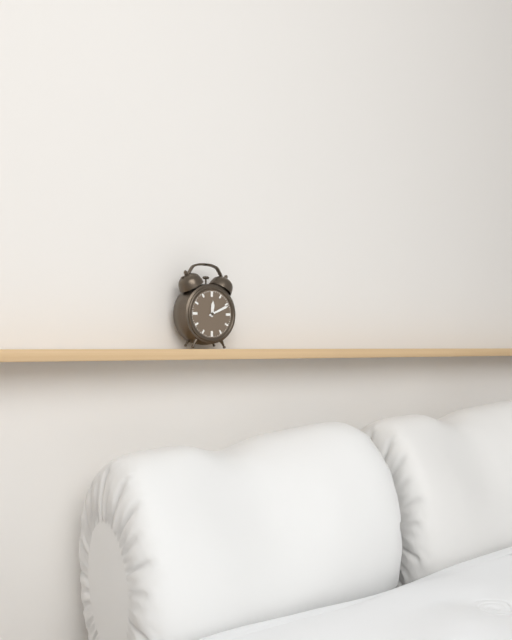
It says 12.11
